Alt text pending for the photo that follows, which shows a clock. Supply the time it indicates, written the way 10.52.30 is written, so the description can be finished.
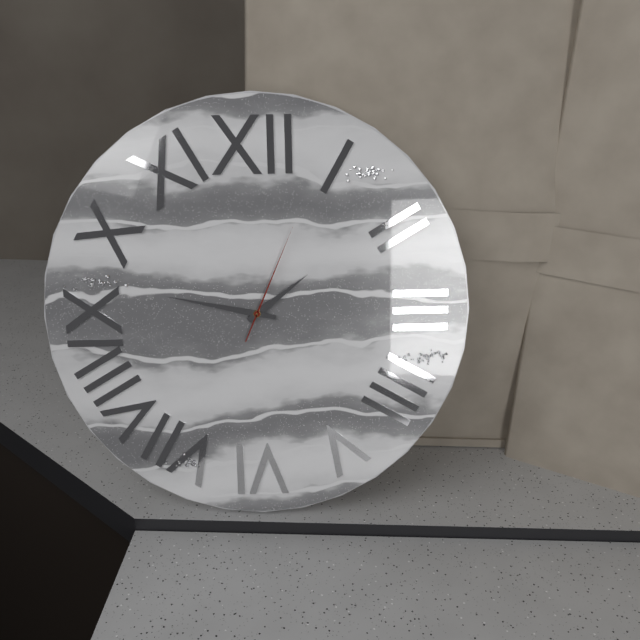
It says 1.47.04
